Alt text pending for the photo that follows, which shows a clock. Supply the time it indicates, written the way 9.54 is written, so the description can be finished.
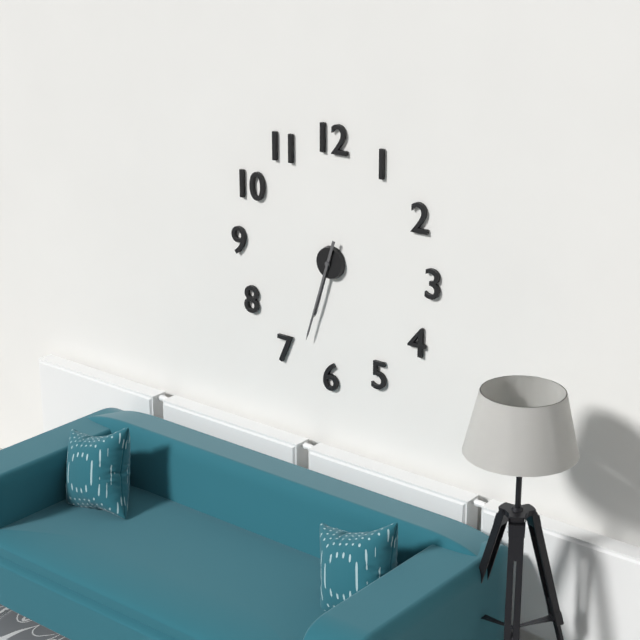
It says 6.33
